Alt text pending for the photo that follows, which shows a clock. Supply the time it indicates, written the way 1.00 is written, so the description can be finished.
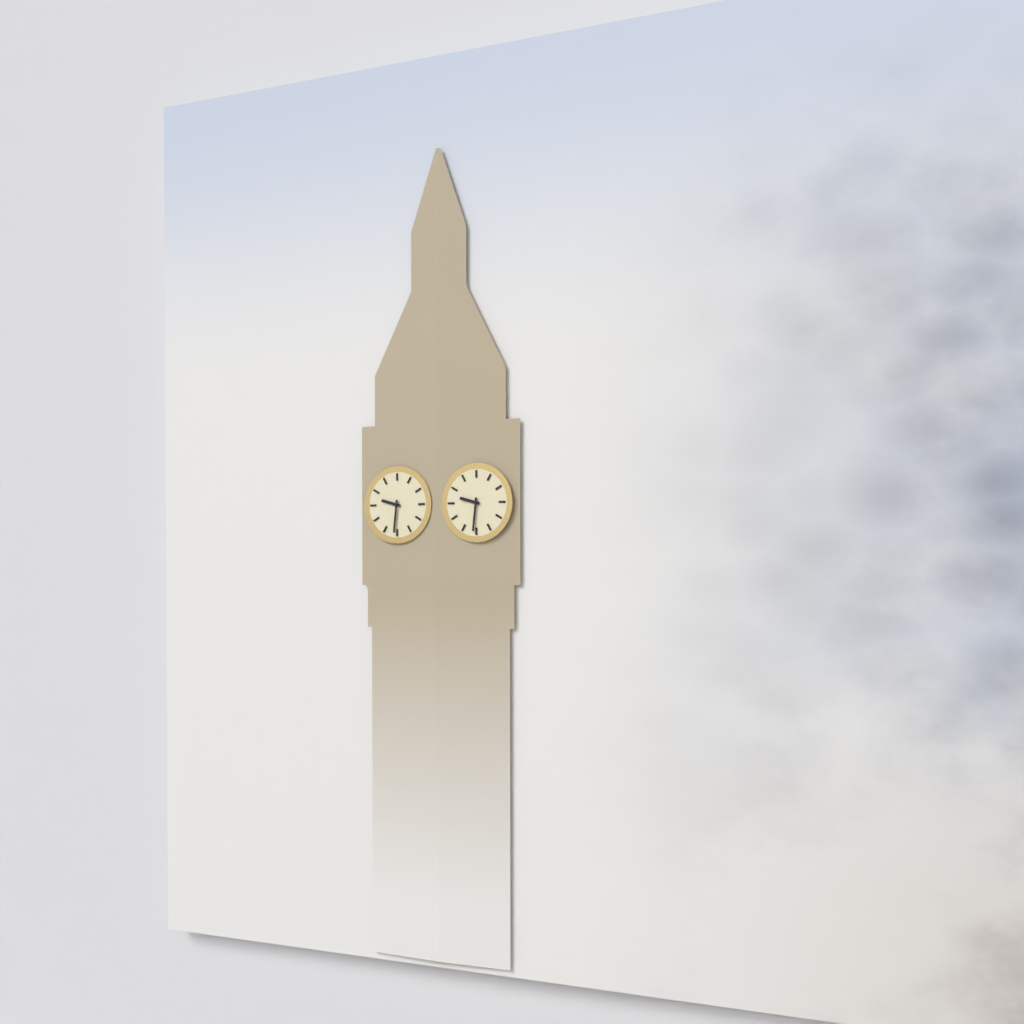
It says 9.31
